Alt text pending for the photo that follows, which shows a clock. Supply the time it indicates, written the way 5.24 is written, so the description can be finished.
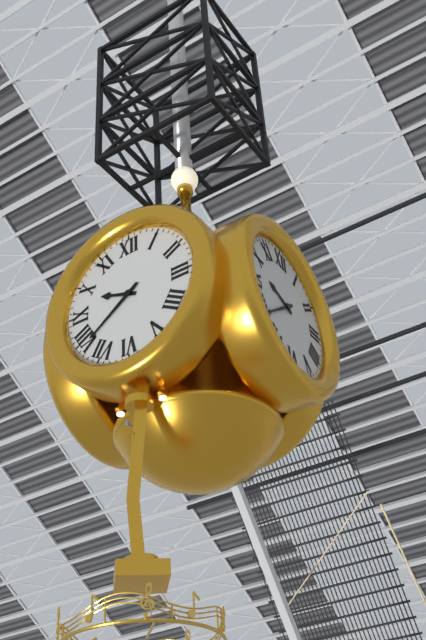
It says 9.39
